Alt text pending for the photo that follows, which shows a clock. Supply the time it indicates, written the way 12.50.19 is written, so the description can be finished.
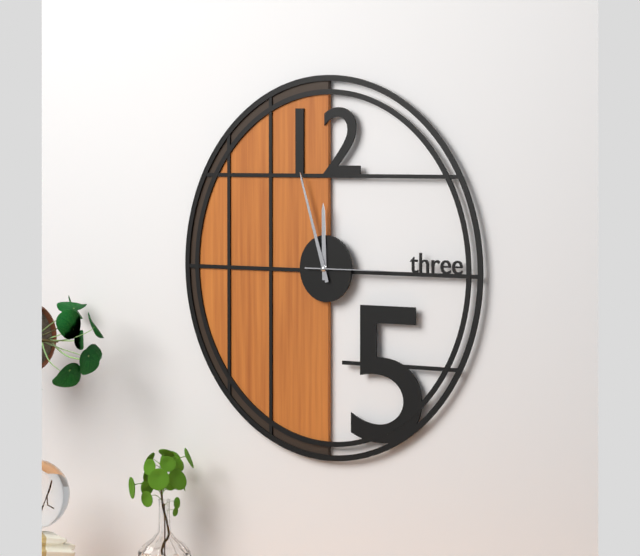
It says 11.57.15
